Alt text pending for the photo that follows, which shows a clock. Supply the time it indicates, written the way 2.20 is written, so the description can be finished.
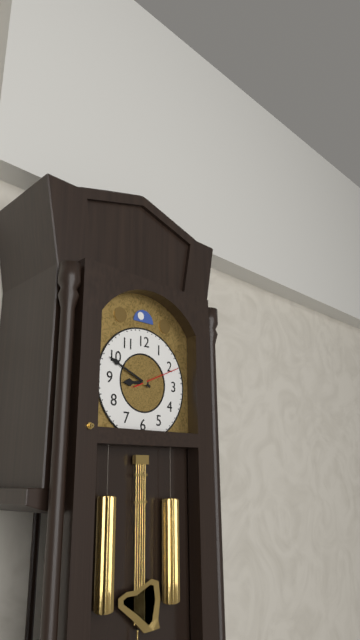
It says 8.49
